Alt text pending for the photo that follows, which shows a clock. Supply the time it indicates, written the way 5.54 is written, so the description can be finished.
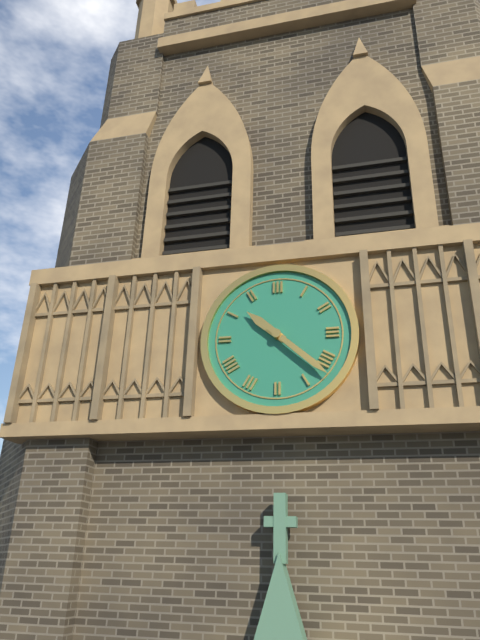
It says 10.22
